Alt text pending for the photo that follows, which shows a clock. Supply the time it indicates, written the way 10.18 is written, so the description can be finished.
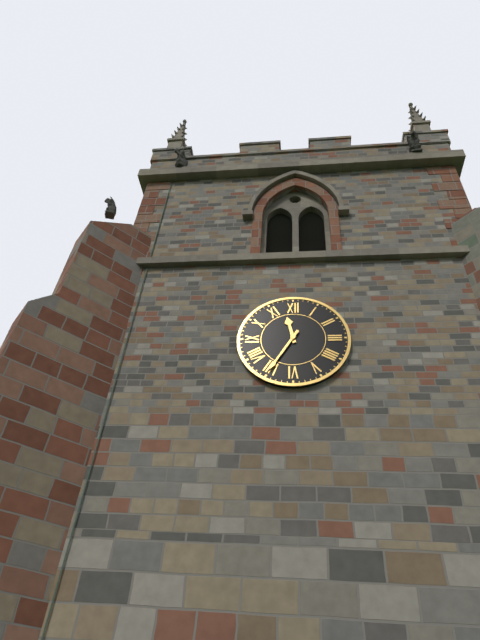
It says 11.35
